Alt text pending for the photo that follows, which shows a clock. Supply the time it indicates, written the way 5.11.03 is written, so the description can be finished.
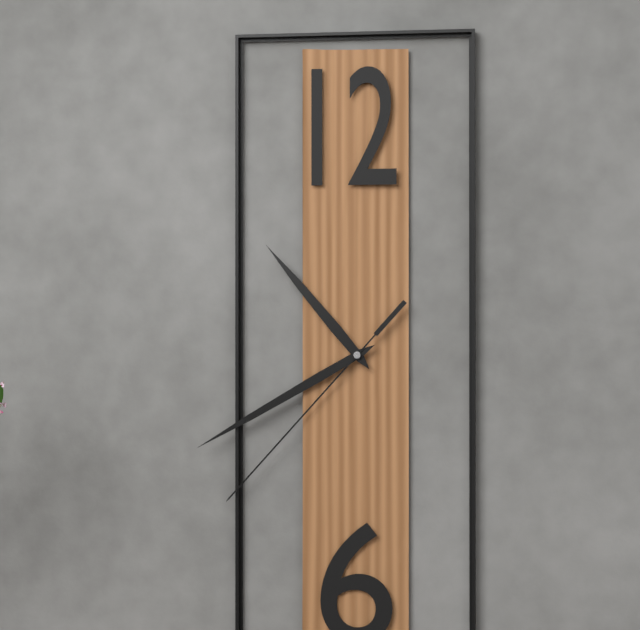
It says 10.40.37
